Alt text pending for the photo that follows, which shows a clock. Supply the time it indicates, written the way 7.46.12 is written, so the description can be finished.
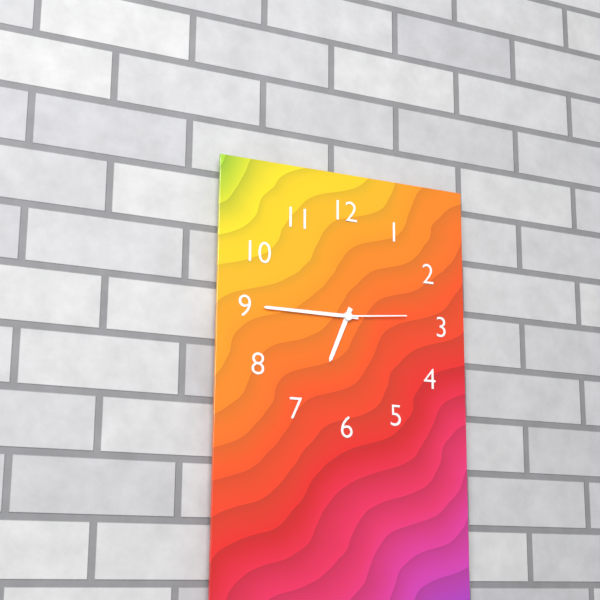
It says 6.45.14
